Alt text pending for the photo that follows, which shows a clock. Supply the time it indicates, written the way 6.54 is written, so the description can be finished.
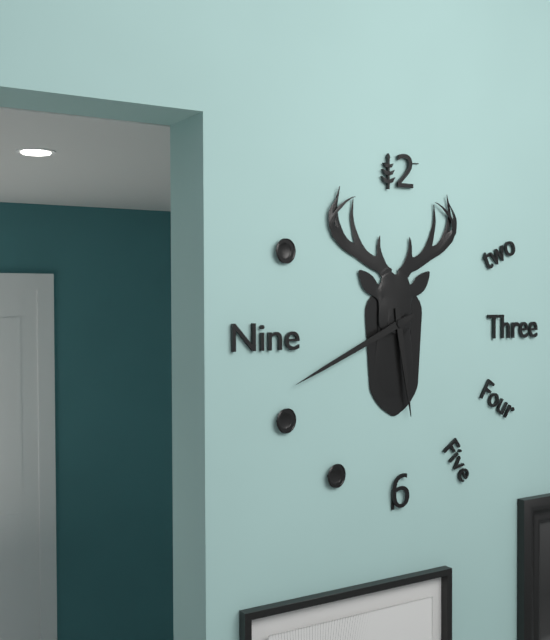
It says 5.41
